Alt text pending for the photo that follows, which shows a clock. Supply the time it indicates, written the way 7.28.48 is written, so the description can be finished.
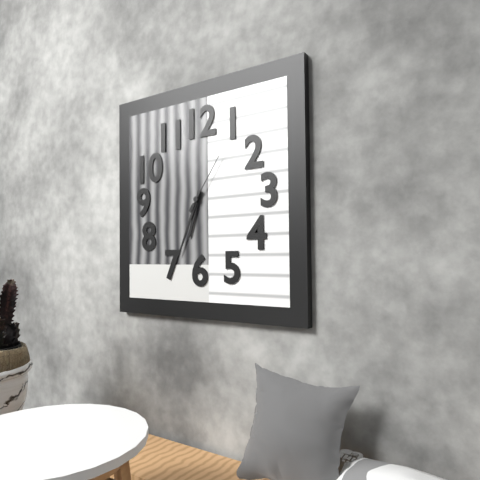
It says 6.34.06
